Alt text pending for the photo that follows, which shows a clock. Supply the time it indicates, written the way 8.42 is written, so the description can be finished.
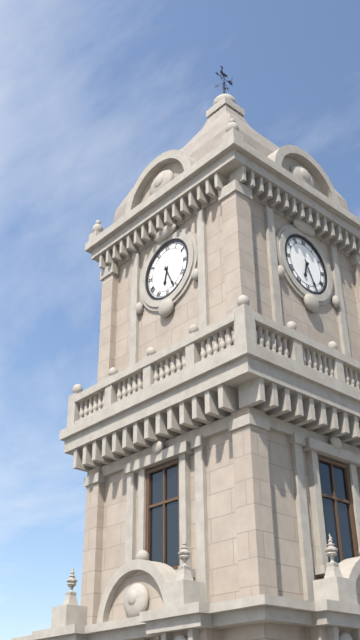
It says 6.26
